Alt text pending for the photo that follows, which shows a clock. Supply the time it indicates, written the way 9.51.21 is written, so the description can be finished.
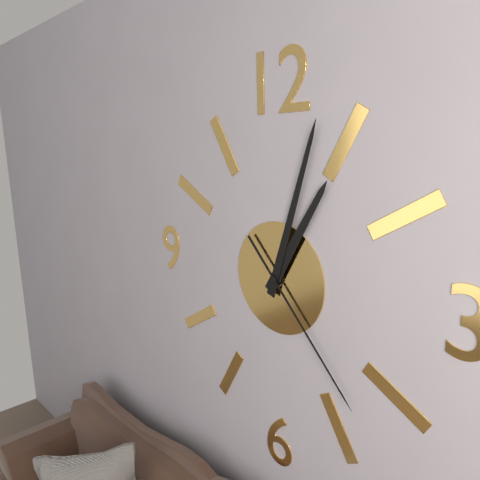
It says 1.03.23
